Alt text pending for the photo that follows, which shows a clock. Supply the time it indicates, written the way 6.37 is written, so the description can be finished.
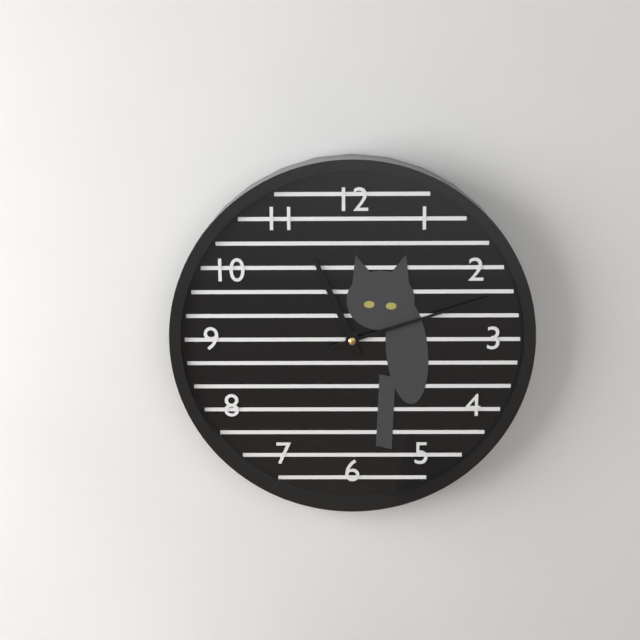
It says 11.12
